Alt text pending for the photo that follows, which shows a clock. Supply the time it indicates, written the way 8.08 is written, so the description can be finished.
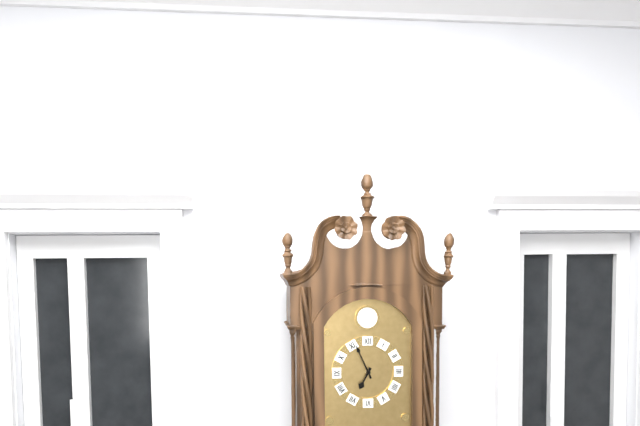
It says 6.56
